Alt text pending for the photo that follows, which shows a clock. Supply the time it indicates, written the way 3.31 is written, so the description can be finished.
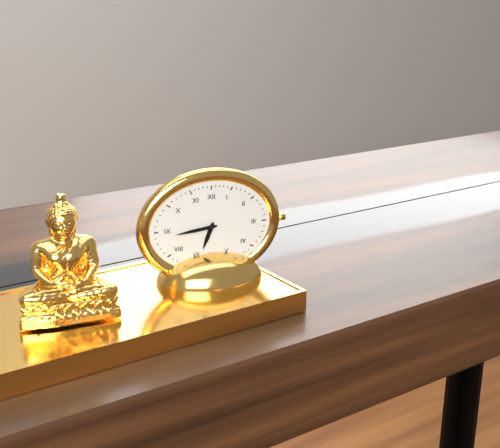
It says 6.44
